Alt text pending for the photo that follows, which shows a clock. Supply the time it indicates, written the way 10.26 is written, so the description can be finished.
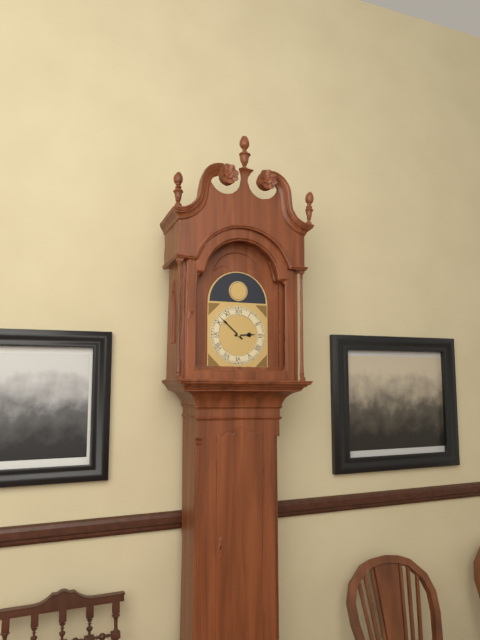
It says 2.52
